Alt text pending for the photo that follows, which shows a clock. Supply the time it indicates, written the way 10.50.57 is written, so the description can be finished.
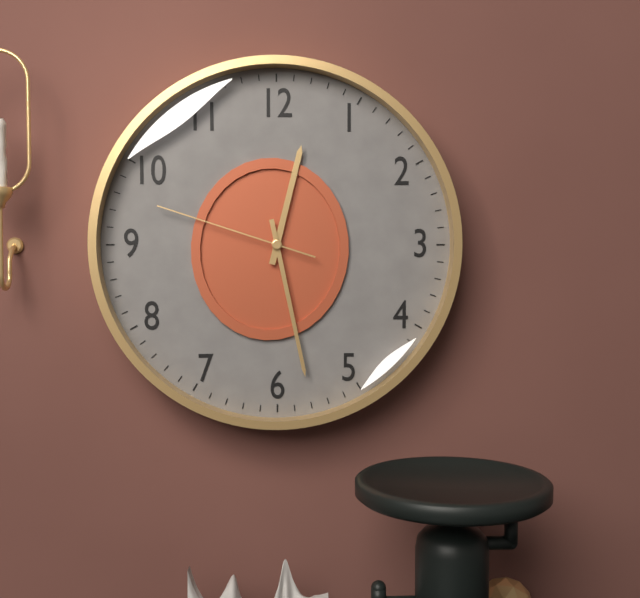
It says 12.28.48
